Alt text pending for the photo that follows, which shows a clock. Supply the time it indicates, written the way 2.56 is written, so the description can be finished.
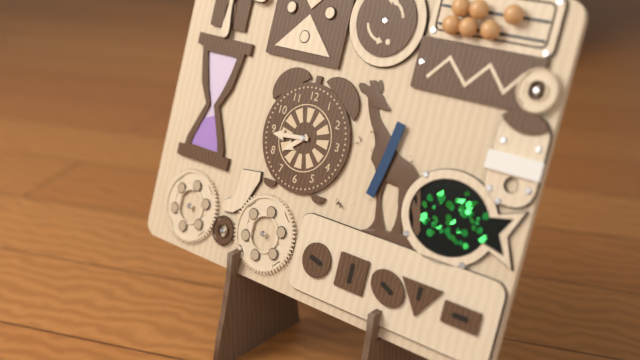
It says 7.44
